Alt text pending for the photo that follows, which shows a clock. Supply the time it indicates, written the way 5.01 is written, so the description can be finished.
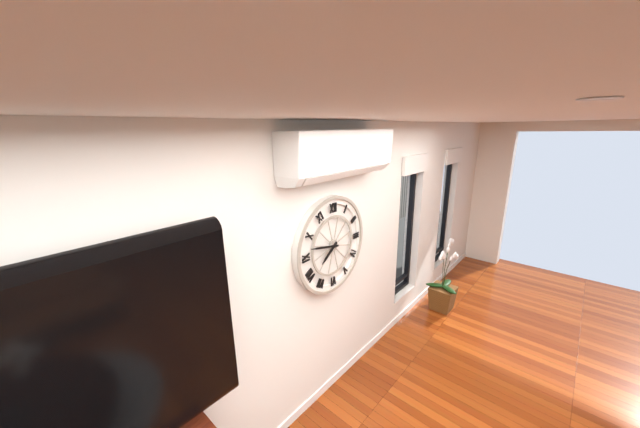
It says 7.47
